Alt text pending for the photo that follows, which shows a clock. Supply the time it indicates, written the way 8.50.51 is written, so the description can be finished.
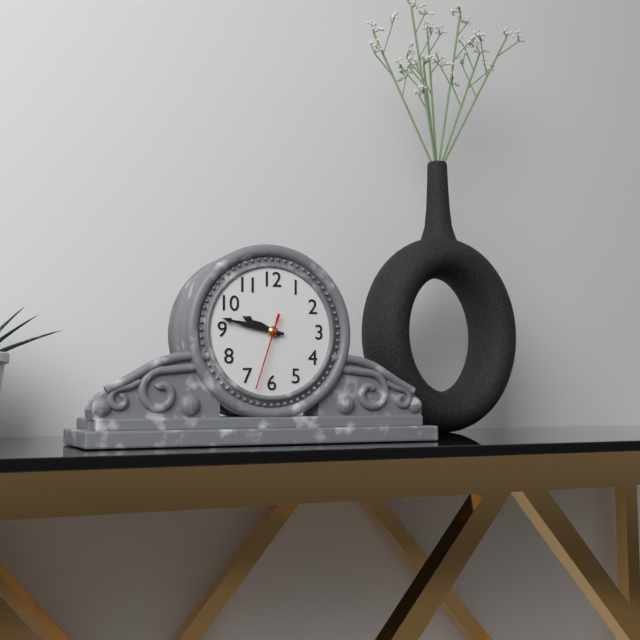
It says 9.47.33
